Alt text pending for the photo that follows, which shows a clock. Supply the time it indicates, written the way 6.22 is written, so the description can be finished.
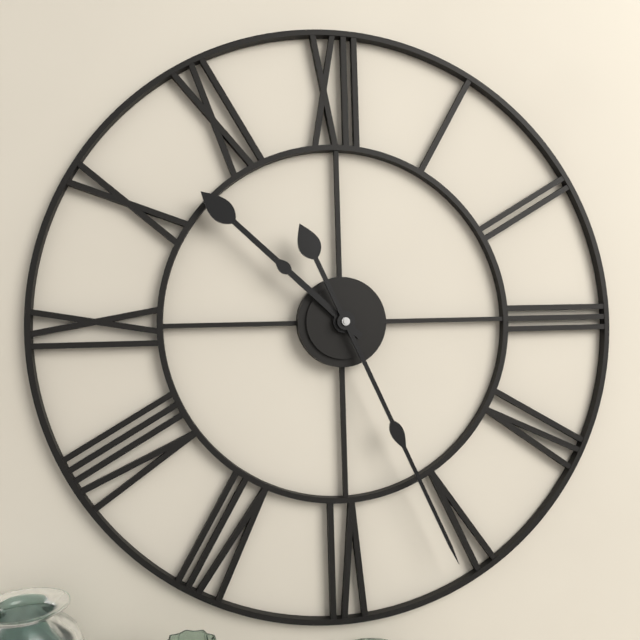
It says 10.26
